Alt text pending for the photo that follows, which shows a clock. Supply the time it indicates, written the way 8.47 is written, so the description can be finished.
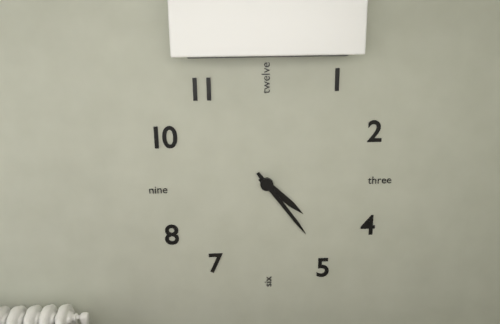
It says 4.24
